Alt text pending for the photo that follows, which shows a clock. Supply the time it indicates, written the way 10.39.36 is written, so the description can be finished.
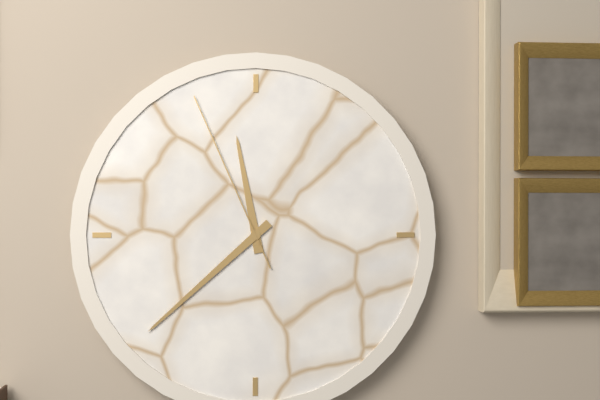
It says 11.38.56
